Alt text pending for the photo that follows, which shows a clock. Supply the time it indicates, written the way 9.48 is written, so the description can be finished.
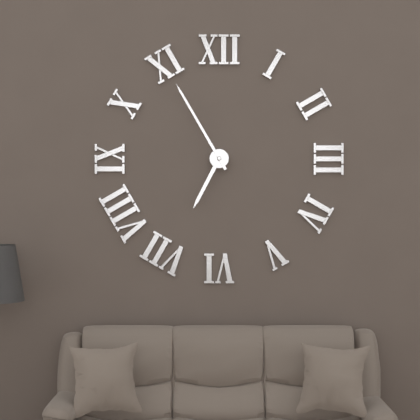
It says 6.55
